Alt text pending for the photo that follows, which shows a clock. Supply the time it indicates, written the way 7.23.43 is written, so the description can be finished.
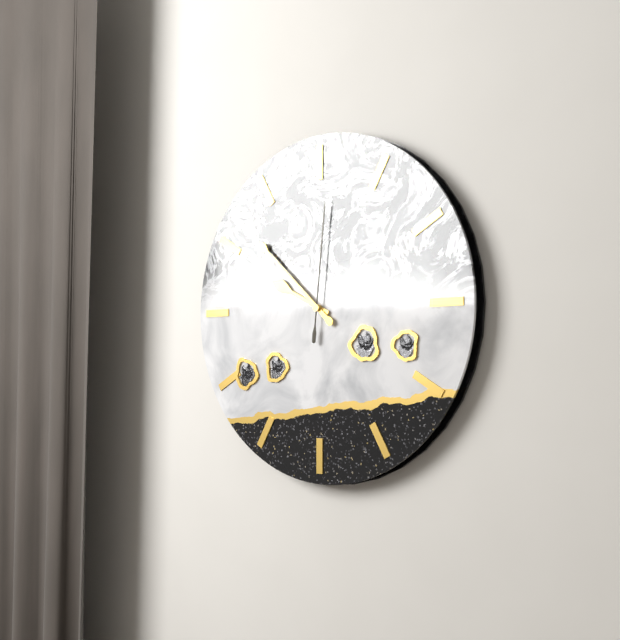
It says 9.52.01
